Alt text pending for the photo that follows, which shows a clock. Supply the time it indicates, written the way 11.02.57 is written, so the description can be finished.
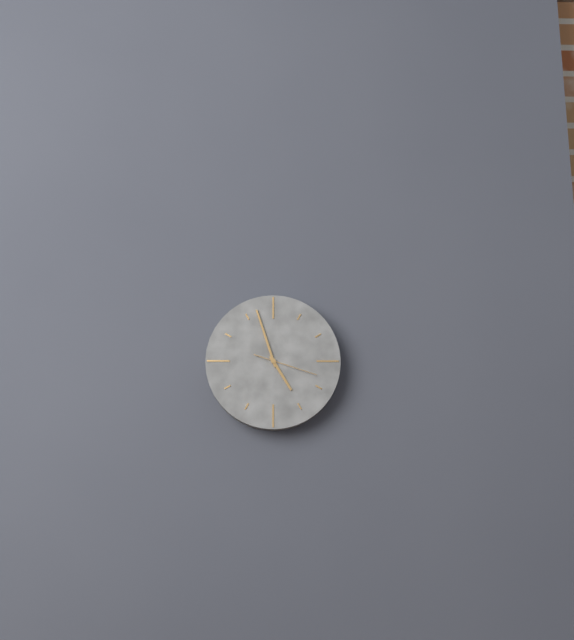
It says 4.57.18
